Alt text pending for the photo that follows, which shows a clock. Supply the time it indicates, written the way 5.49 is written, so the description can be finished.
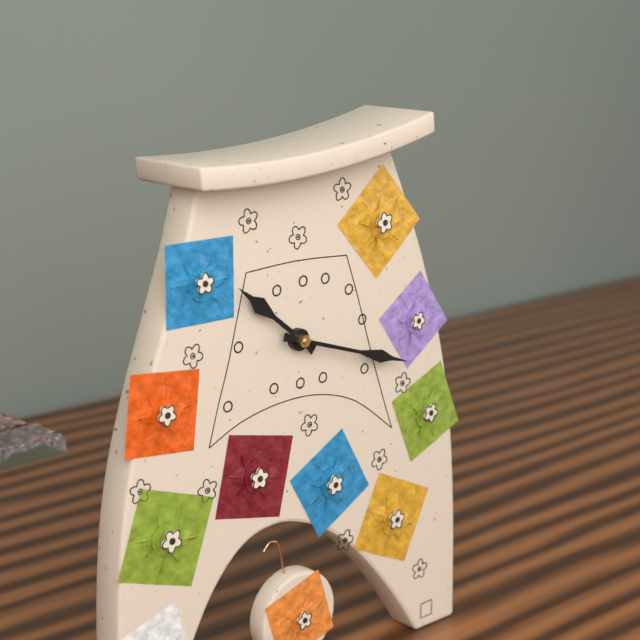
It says 10.18
